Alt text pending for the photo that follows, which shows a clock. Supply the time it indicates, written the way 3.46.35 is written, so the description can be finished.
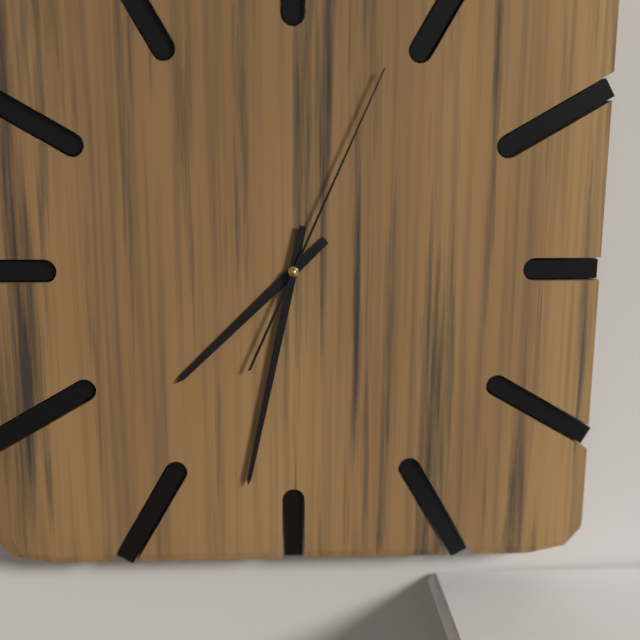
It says 7.32.04
